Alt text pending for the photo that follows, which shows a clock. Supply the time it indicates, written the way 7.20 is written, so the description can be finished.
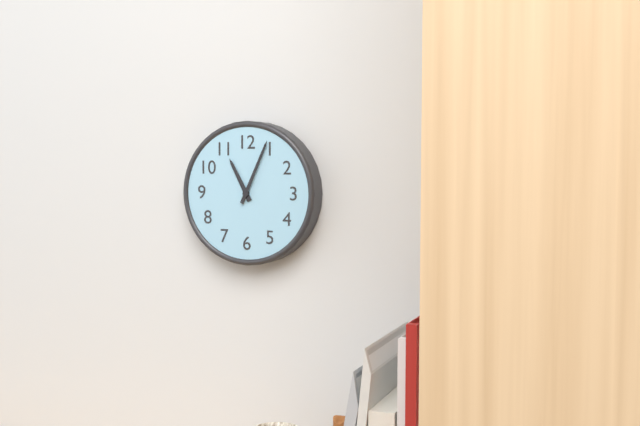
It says 11.04
